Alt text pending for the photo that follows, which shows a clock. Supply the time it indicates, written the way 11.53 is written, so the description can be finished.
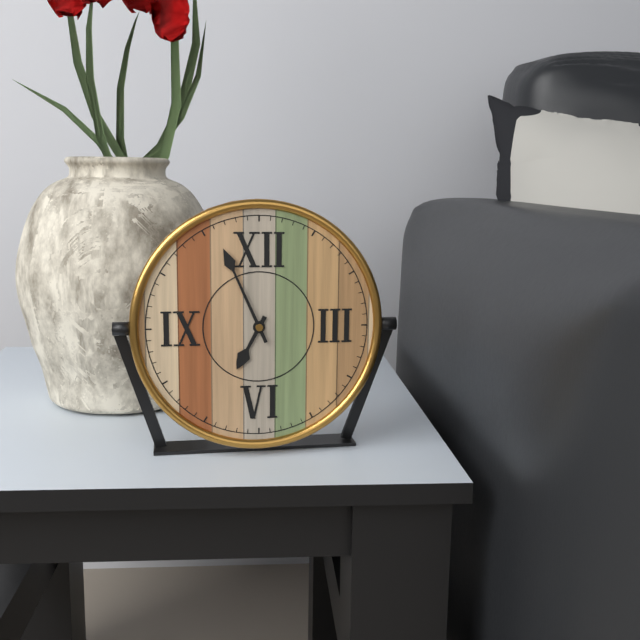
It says 6.56
